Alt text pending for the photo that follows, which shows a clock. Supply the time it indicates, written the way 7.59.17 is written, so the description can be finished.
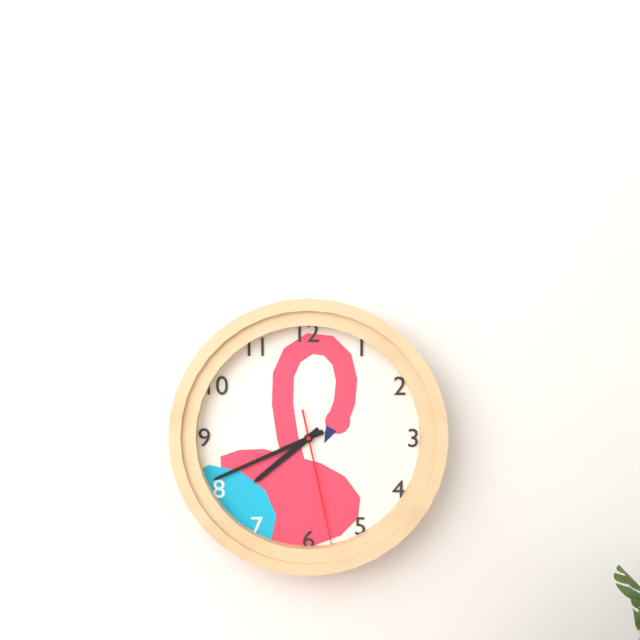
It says 7.41.28
